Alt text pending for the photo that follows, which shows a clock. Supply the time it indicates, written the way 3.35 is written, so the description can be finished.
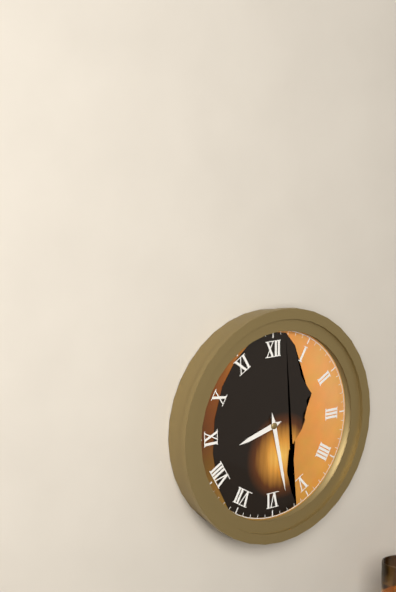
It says 8.28
